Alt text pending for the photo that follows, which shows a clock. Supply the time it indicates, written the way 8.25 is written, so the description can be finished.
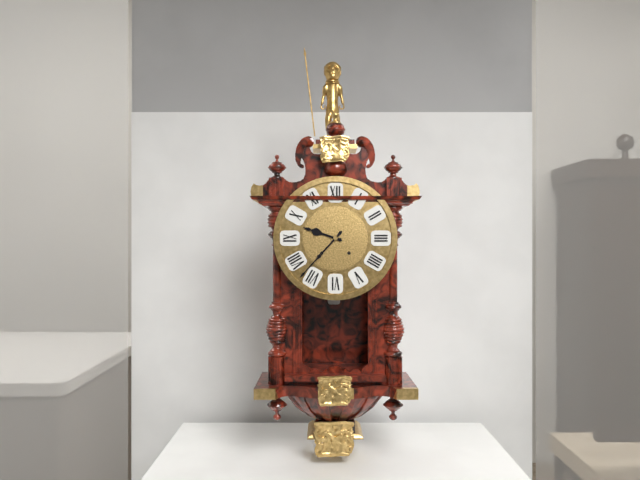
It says 9.37
